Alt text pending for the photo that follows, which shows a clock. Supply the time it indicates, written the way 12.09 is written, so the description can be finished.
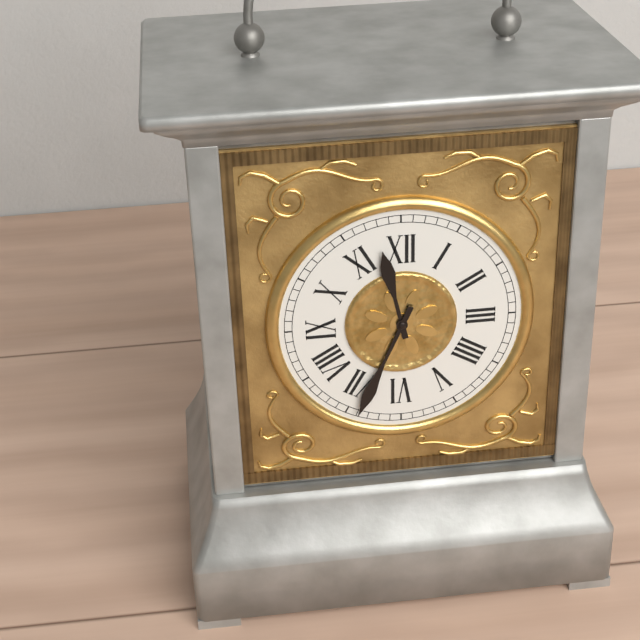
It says 11.34
